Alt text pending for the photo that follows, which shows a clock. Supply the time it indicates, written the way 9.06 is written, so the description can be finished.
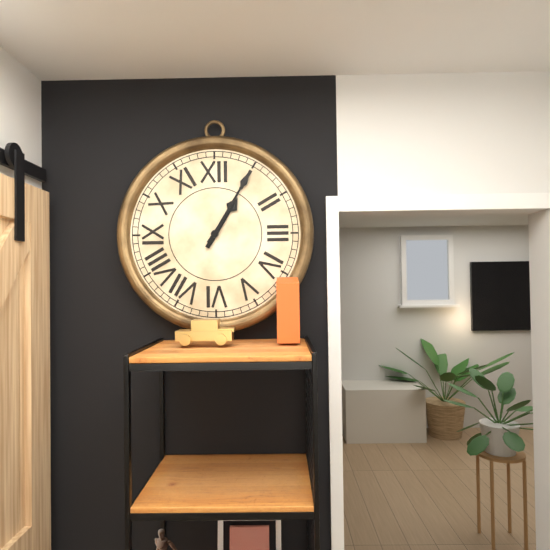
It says 1.05
